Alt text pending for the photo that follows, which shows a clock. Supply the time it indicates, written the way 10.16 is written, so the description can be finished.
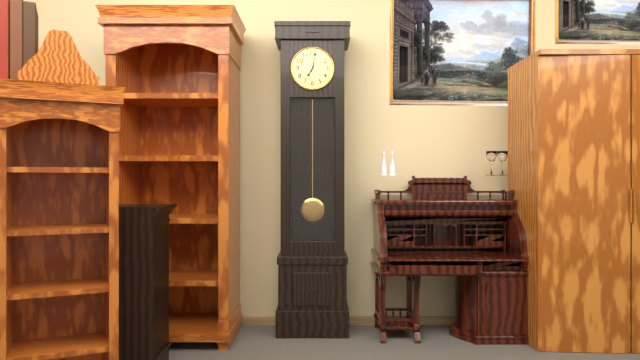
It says 7.02
